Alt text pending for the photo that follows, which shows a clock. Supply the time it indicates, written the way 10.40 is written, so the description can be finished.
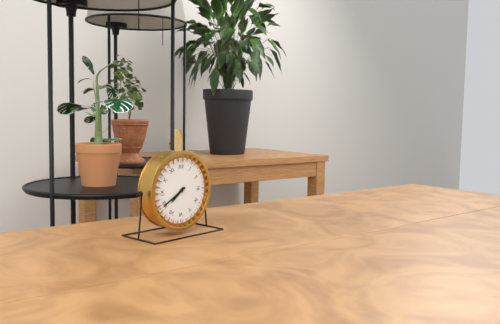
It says 7.40
